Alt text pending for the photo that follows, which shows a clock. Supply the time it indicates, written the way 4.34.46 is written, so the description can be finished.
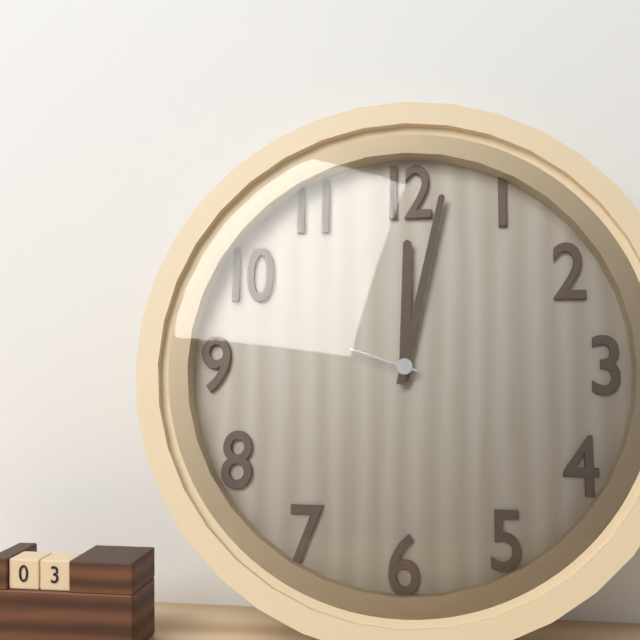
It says 12.02.48
